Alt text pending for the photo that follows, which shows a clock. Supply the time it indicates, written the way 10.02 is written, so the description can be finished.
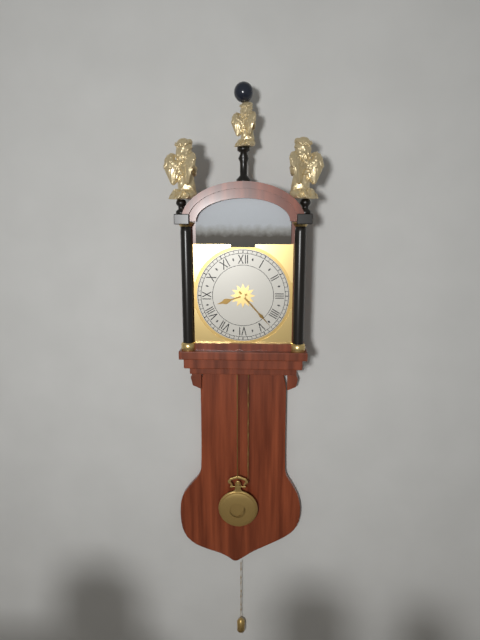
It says 8.23
